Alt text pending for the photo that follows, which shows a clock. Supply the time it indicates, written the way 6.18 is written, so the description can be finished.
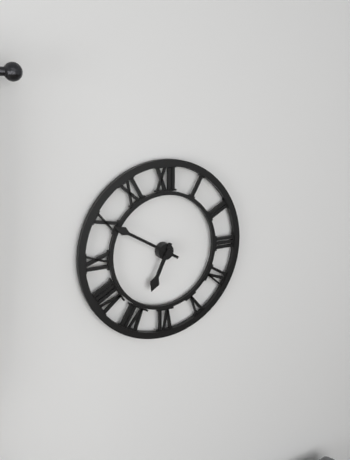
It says 6.50
